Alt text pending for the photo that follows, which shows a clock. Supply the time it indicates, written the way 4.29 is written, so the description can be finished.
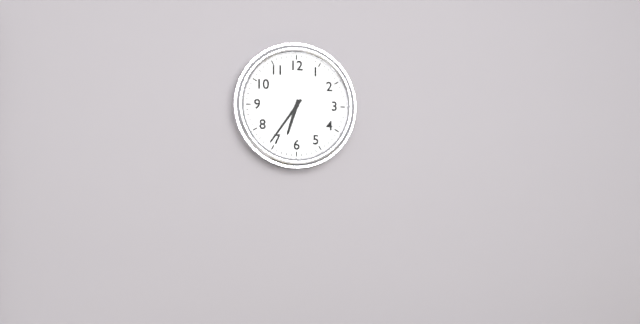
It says 6.36
